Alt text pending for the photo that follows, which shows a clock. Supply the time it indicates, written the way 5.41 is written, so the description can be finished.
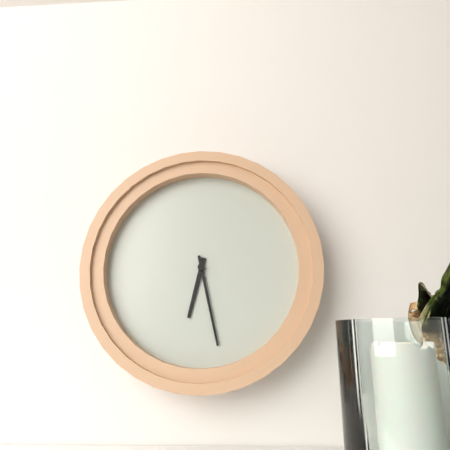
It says 6.28
